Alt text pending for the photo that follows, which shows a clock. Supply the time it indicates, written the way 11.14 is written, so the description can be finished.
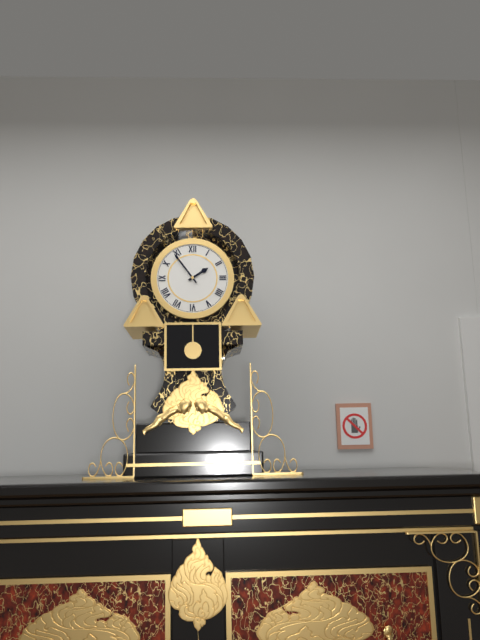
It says 1.54
